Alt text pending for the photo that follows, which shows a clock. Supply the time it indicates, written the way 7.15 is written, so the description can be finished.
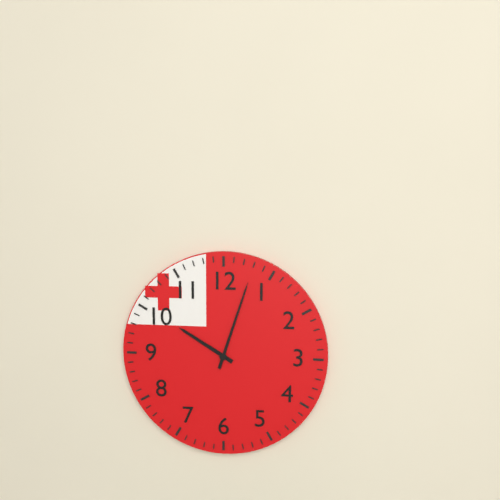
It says 10.03
